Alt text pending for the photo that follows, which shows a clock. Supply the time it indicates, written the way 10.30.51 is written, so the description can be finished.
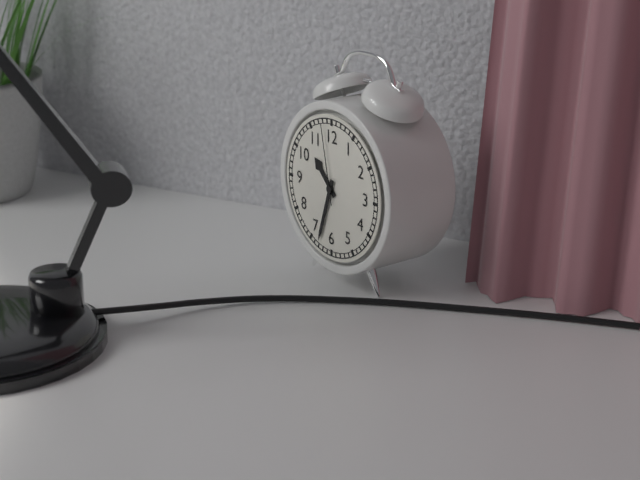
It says 10.33.58
